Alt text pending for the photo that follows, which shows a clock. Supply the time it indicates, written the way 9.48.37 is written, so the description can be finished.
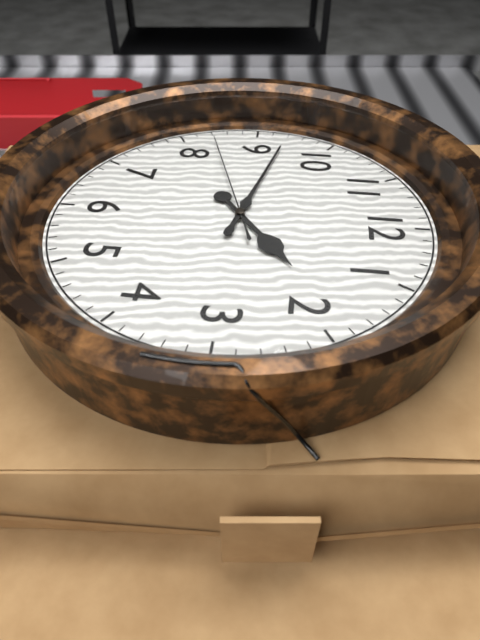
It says 1.47.42
